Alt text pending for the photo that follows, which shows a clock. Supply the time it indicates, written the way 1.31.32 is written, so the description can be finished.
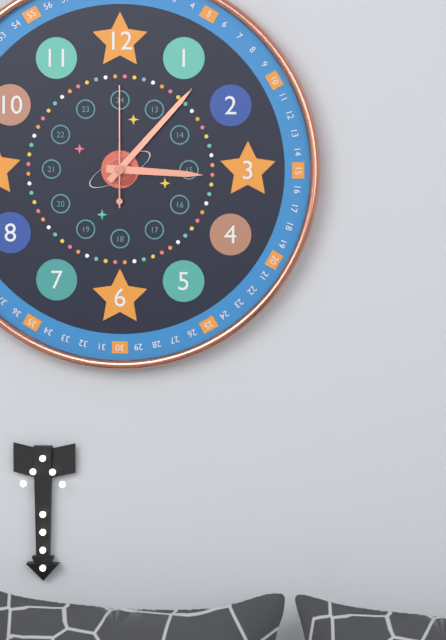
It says 3.07.00
